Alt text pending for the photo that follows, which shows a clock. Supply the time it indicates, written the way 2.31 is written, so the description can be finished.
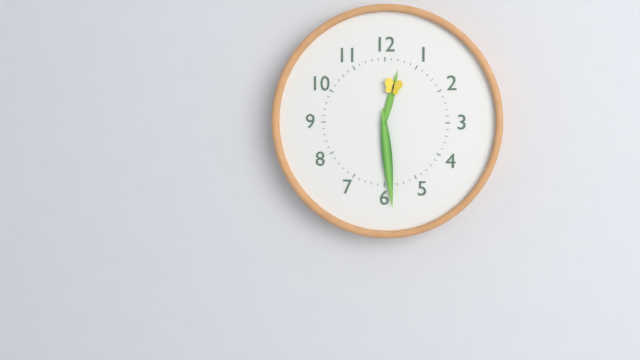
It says 12.29
